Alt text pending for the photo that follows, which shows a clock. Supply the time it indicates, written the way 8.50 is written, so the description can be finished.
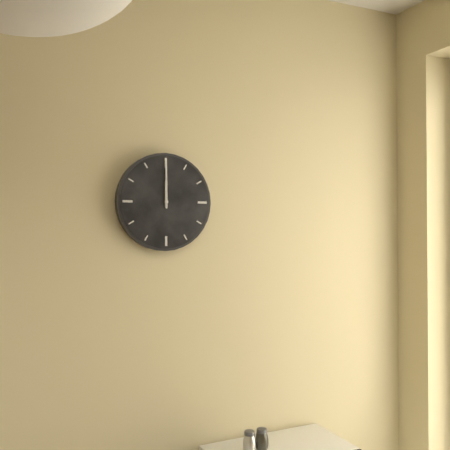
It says 12.00
